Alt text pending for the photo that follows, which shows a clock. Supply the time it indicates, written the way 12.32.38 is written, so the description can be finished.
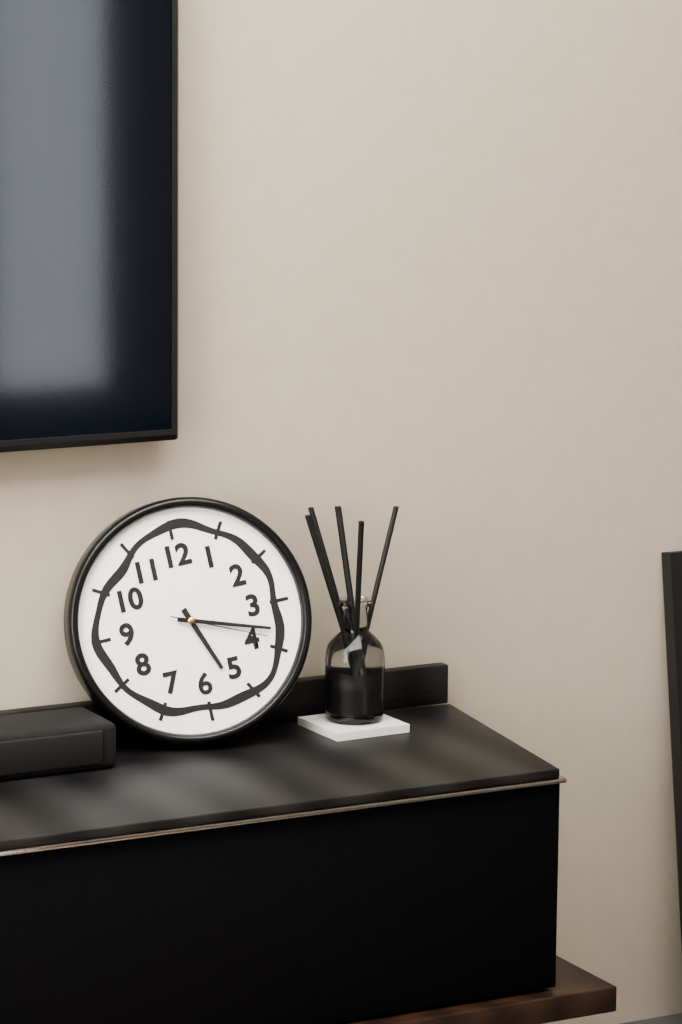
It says 5.18.19
